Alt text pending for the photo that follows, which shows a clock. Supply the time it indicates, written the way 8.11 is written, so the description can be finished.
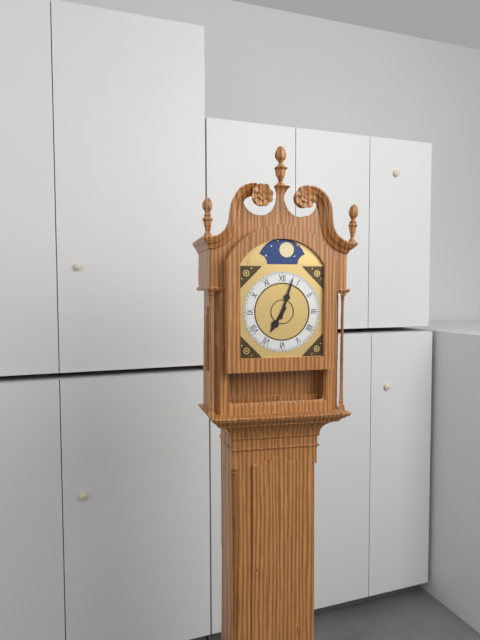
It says 7.03
